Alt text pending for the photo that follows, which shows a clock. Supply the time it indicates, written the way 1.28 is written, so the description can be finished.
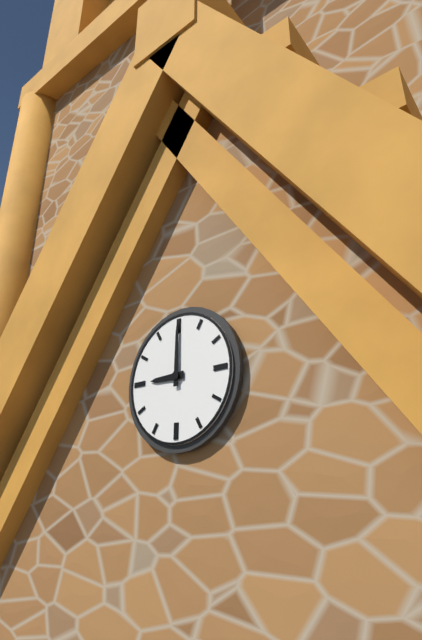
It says 9.00
